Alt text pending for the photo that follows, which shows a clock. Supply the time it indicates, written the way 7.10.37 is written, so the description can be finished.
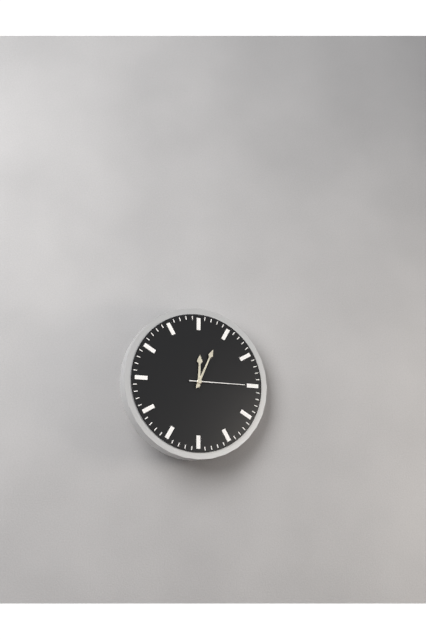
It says 12.04.15
